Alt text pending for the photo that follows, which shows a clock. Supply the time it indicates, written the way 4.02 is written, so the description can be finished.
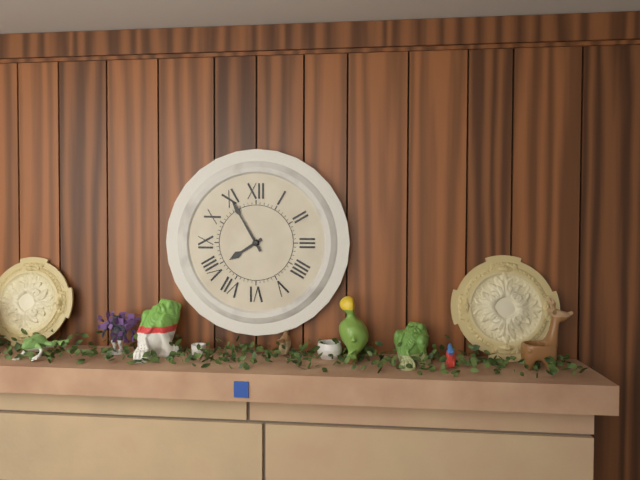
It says 7.55
